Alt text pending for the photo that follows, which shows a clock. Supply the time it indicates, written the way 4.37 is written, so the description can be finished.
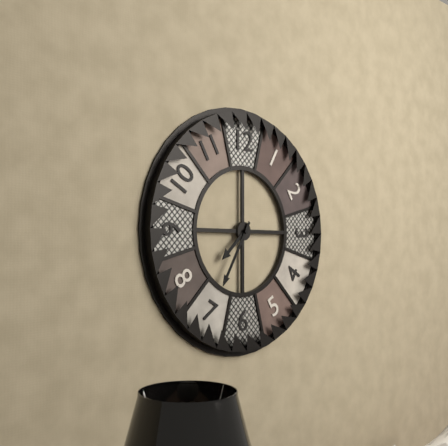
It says 7.35
